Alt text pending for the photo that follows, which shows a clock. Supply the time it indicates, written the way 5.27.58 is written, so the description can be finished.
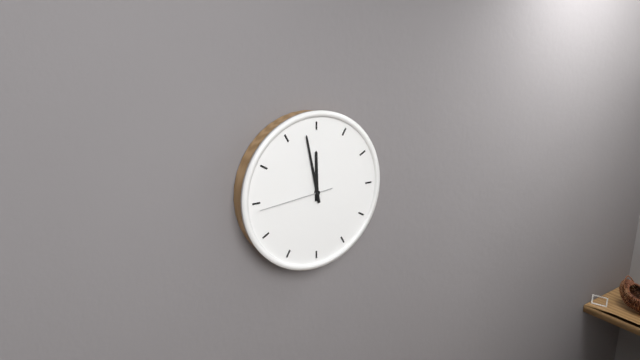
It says 11.58.44
